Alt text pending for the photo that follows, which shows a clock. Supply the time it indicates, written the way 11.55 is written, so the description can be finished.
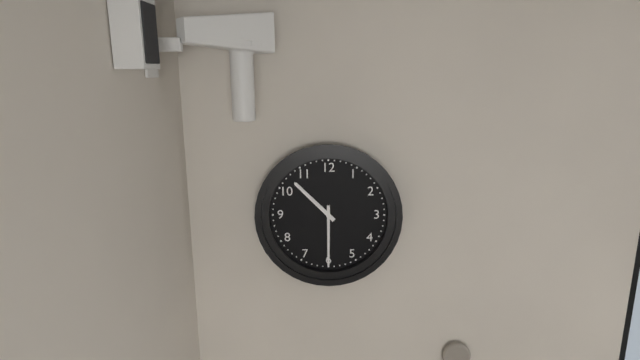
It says 10.30
